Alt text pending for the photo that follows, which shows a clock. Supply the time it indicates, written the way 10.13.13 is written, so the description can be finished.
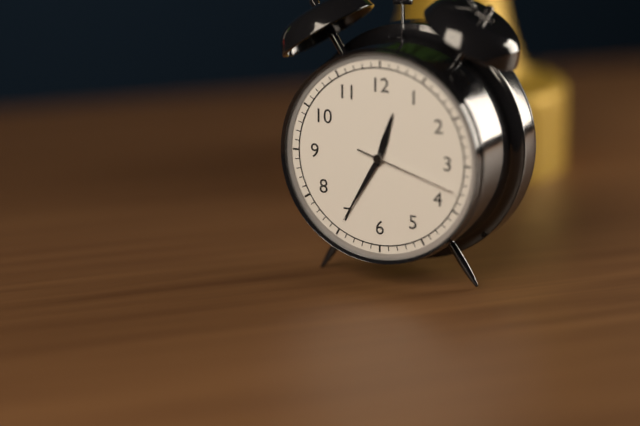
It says 12.35.18
